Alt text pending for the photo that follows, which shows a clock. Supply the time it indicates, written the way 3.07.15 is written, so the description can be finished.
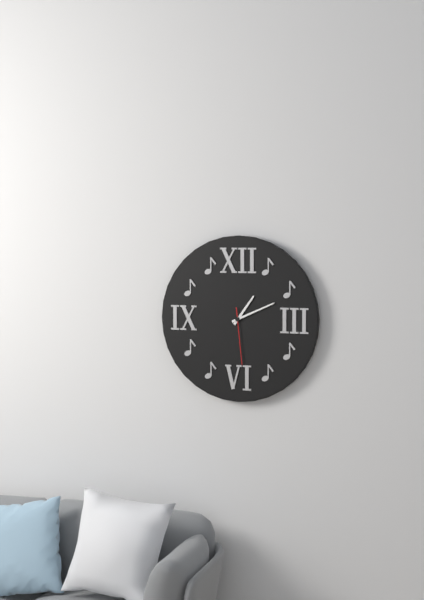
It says 1.11.29
